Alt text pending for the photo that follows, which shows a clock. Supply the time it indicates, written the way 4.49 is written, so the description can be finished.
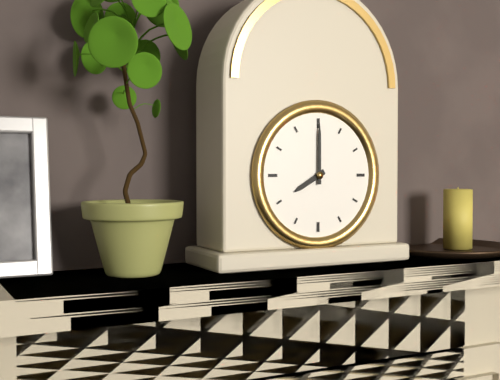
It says 8.00
